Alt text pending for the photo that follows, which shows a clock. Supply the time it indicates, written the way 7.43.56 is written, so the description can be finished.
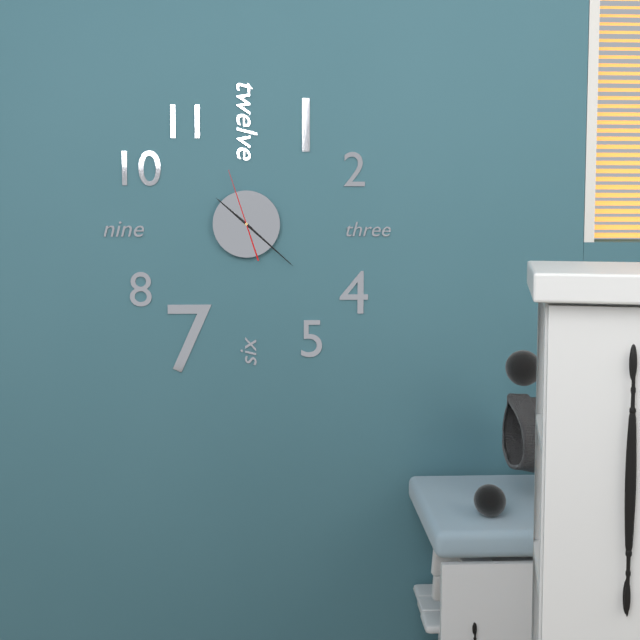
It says 10.22.57
